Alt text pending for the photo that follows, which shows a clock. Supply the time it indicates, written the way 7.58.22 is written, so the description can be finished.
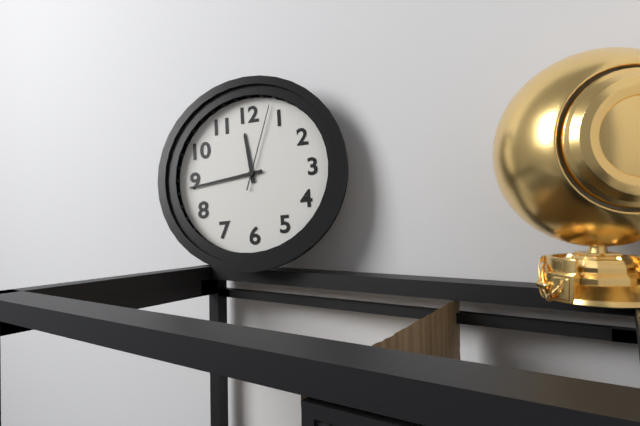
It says 11.44.03
